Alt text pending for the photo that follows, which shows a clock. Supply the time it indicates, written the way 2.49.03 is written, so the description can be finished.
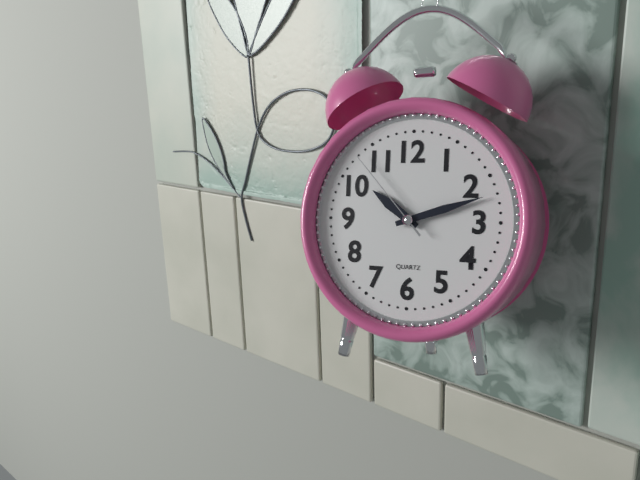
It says 10.12.53
